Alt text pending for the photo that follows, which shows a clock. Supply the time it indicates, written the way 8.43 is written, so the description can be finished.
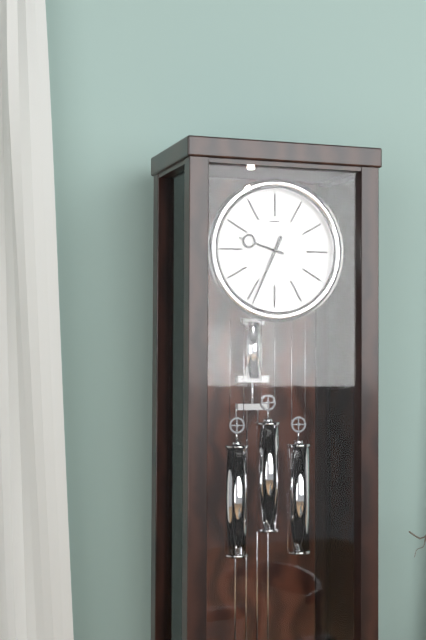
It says 9.34
